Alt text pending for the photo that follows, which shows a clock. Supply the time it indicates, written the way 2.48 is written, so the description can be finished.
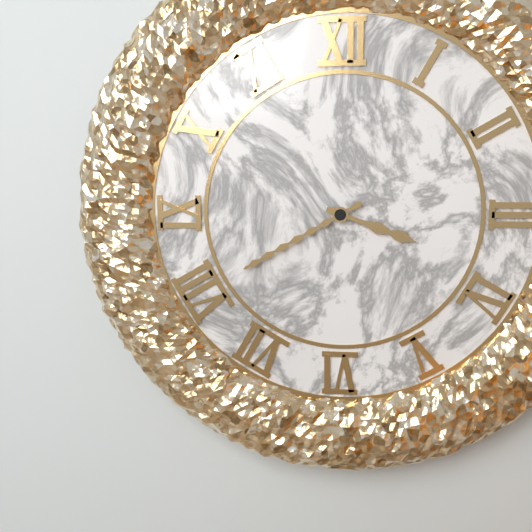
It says 3.40
